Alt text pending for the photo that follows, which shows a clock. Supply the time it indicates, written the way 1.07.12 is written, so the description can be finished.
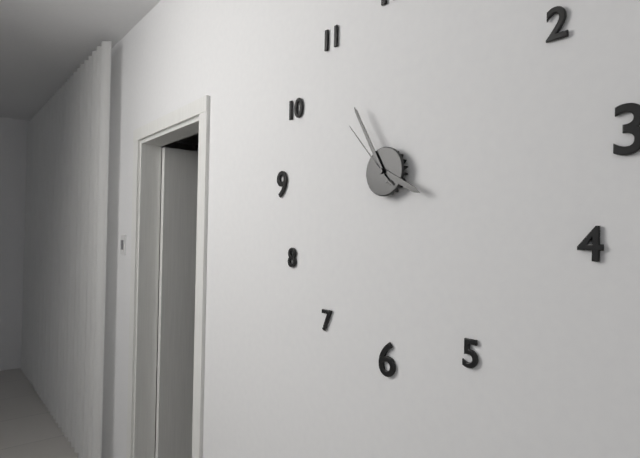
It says 3.55.53
